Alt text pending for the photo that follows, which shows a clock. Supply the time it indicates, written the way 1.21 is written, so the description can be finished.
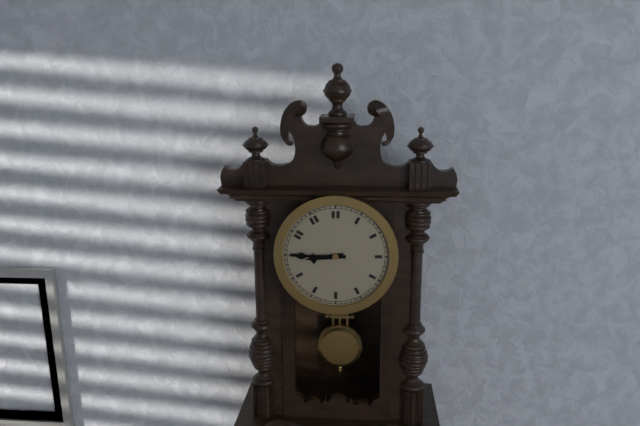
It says 8.45
